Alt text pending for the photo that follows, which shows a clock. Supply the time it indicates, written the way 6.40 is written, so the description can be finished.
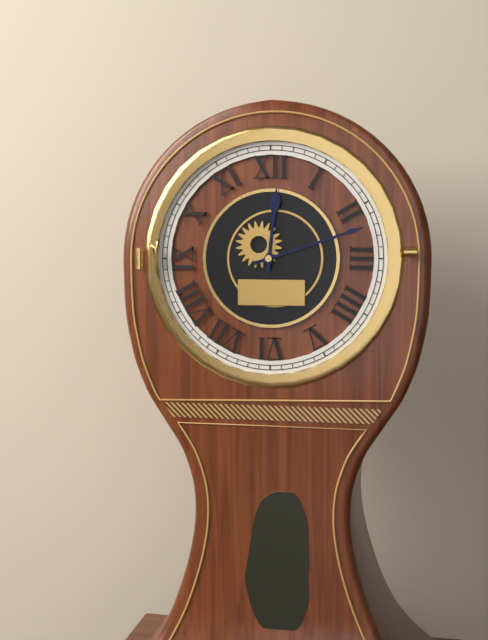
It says 12.12
